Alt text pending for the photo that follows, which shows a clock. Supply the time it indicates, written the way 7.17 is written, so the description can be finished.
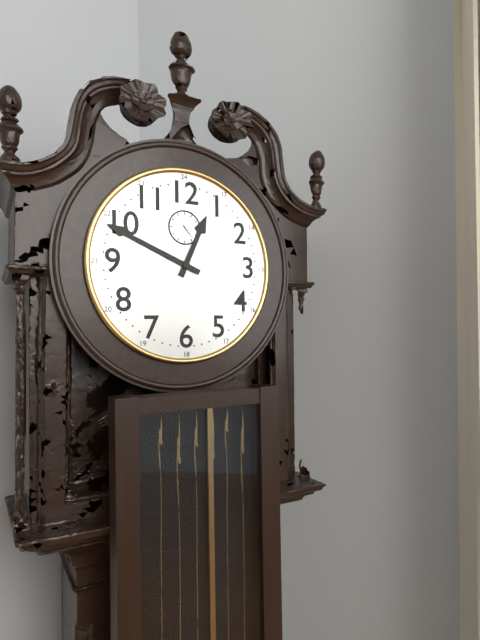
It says 12.49
